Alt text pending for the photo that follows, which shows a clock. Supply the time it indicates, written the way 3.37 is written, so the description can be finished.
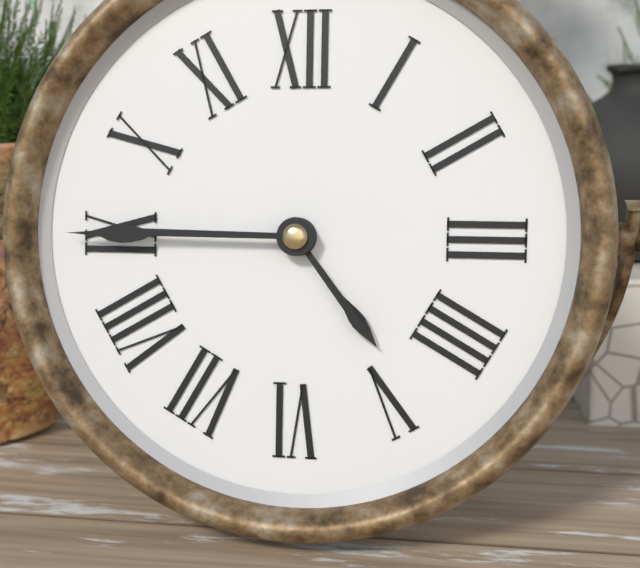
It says 4.45
